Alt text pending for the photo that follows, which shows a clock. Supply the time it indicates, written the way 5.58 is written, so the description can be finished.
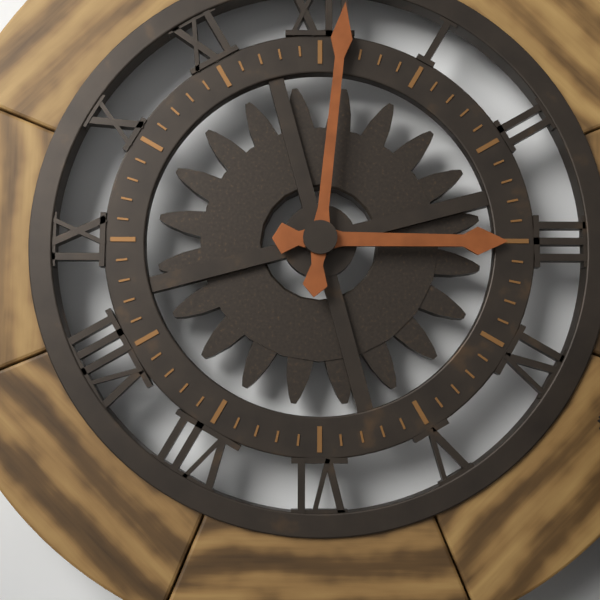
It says 3.01
